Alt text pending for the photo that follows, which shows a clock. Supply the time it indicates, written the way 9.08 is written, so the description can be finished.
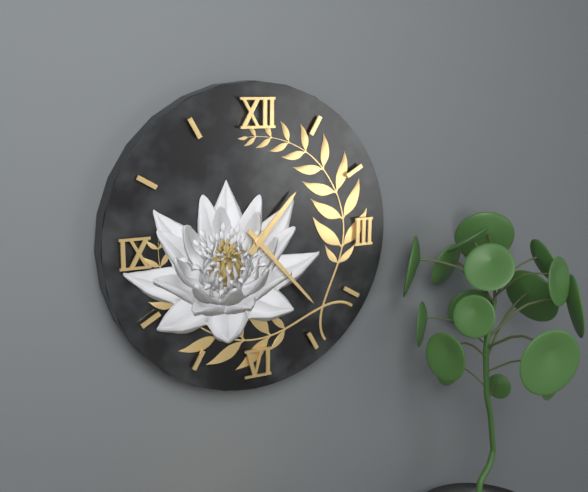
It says 1.23
